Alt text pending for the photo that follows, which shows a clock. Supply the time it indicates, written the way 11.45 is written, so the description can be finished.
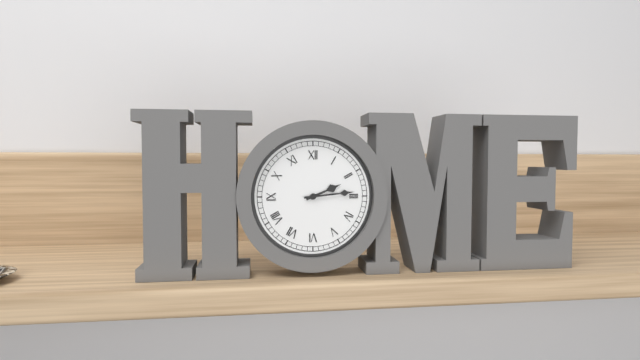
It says 2.14
